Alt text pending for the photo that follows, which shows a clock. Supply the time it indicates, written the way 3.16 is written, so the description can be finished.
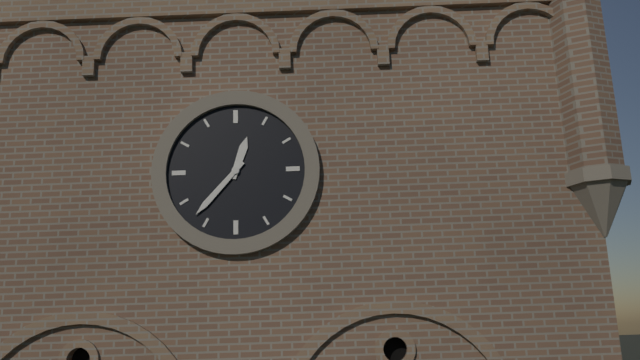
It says 12.37
